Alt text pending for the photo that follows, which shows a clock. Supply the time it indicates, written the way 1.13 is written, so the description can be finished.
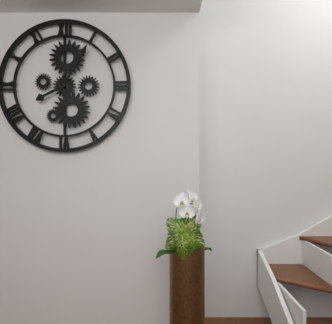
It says 8.05
